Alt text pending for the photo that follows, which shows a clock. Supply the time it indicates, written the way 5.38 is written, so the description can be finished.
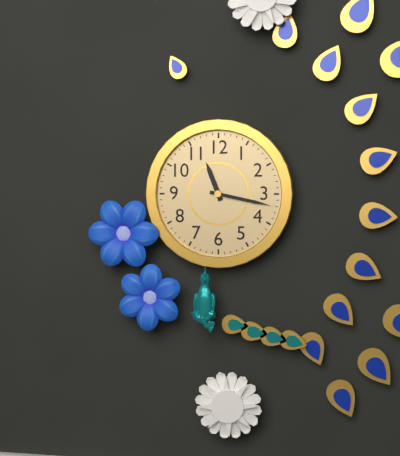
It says 11.17
